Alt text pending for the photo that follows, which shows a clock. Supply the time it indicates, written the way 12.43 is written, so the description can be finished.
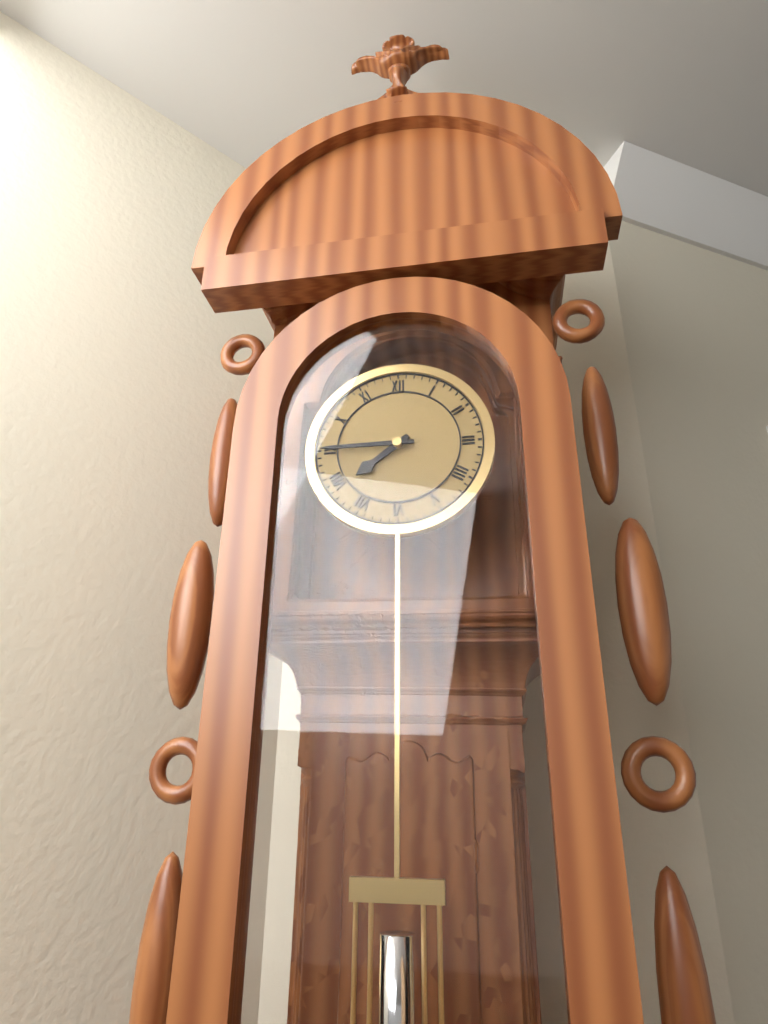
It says 7.45
